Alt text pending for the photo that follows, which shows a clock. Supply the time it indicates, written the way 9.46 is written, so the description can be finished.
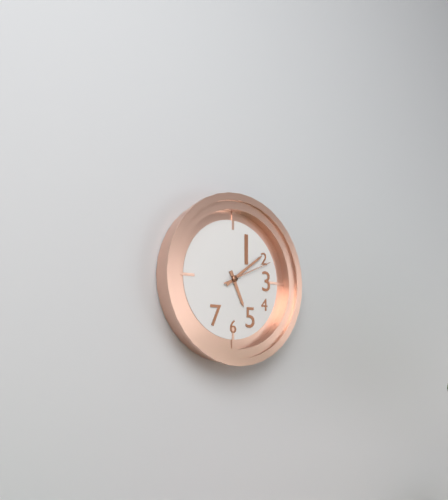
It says 5.09
